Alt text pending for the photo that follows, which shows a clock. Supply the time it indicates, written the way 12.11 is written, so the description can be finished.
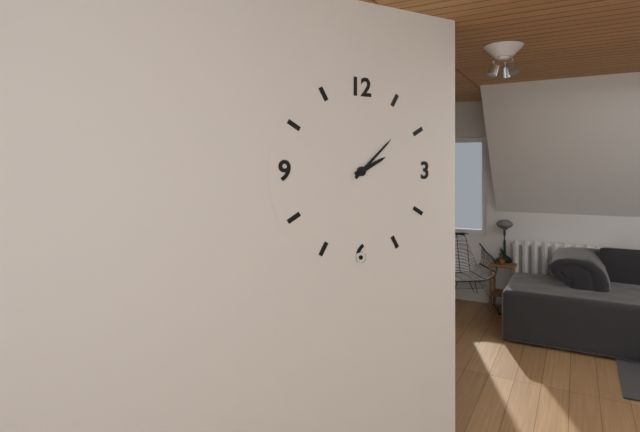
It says 2.08
